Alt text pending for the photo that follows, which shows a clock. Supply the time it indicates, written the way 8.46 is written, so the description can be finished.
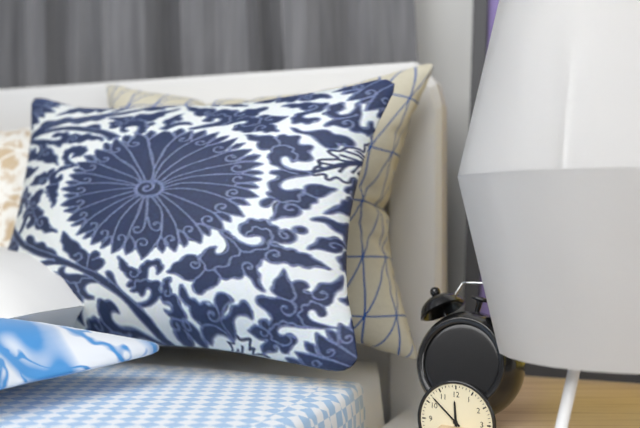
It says 11.52
